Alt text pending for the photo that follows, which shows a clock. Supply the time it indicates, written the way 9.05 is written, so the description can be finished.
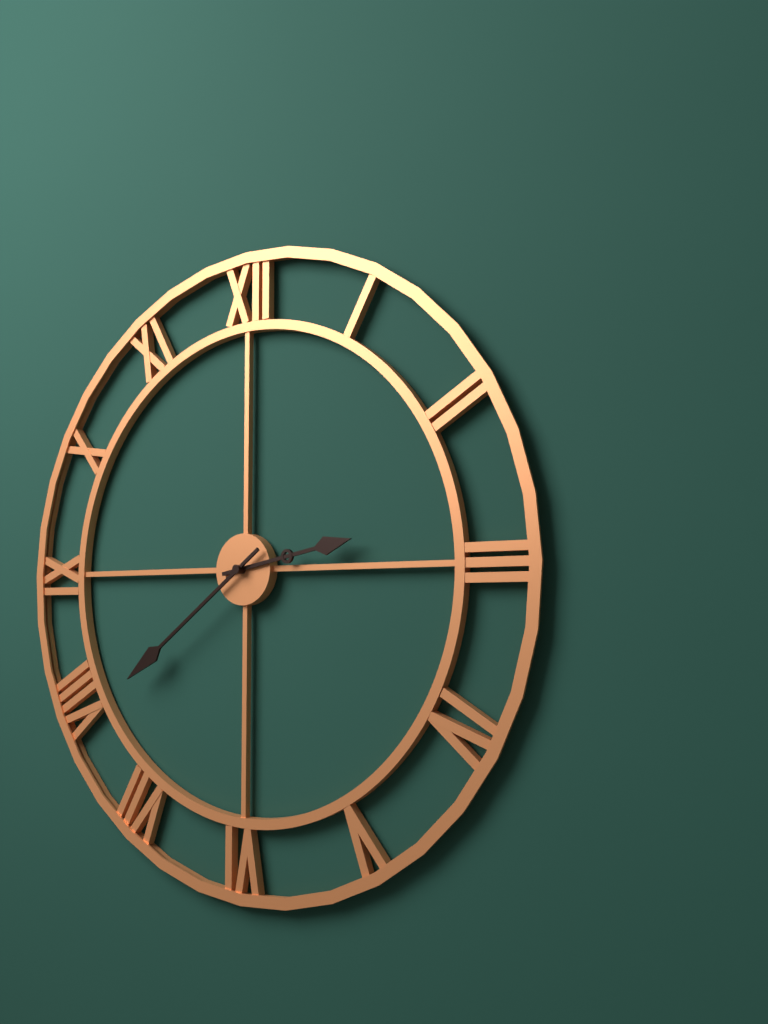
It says 2.39
